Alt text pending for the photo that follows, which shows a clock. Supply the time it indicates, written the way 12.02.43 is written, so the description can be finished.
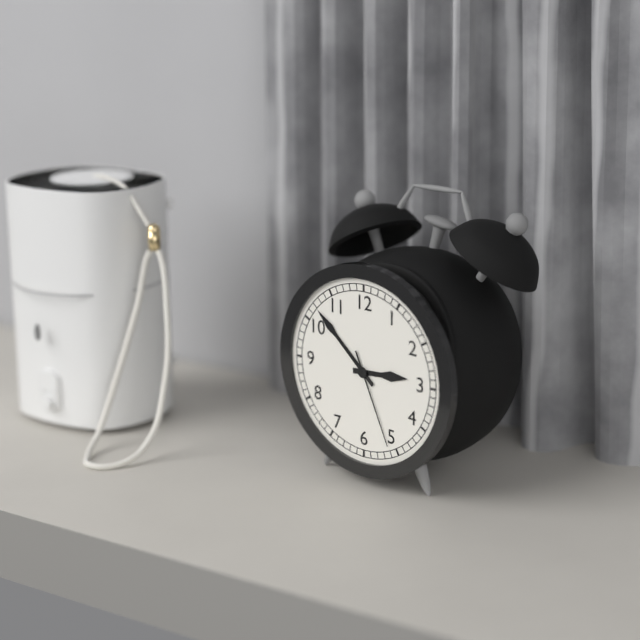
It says 2.52.26
